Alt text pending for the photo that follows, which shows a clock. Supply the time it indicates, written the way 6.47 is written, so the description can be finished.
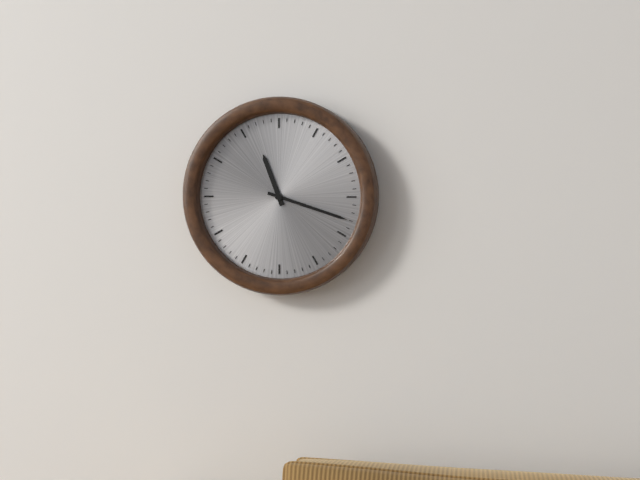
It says 11.18
